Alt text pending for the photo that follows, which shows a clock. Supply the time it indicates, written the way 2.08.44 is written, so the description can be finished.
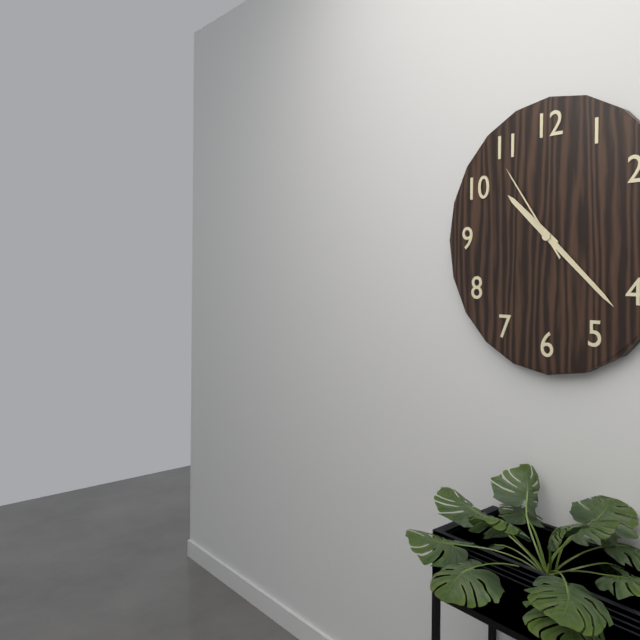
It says 10.22.54
